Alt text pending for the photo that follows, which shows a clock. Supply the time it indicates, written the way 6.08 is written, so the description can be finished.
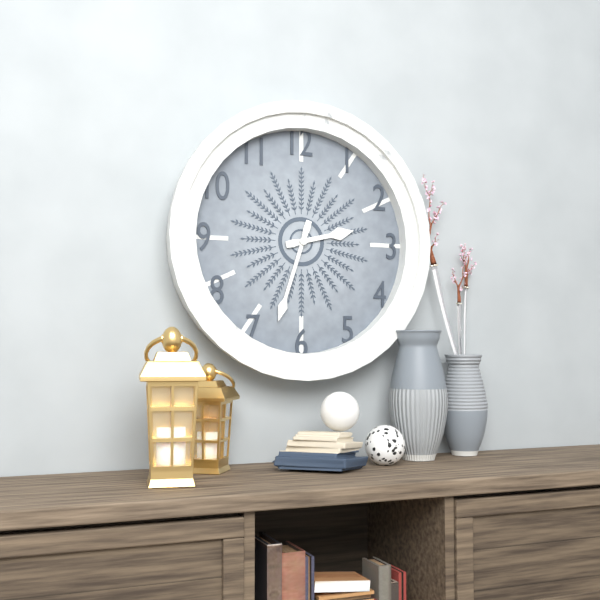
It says 2.33
